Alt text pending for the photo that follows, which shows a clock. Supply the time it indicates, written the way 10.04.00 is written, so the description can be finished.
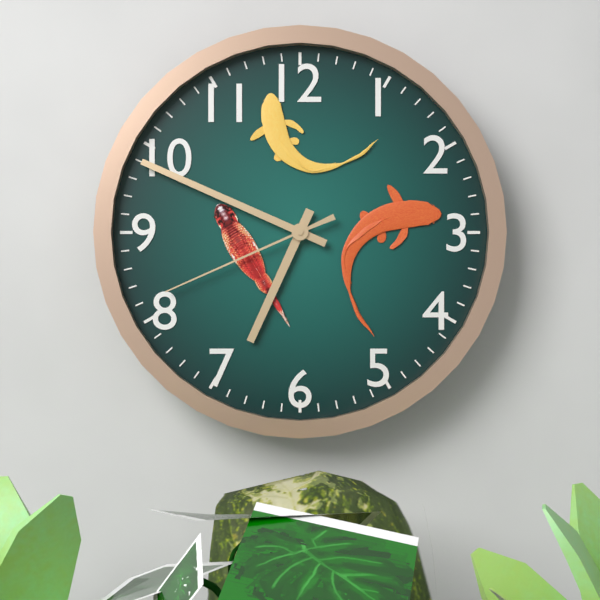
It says 6.49.41
